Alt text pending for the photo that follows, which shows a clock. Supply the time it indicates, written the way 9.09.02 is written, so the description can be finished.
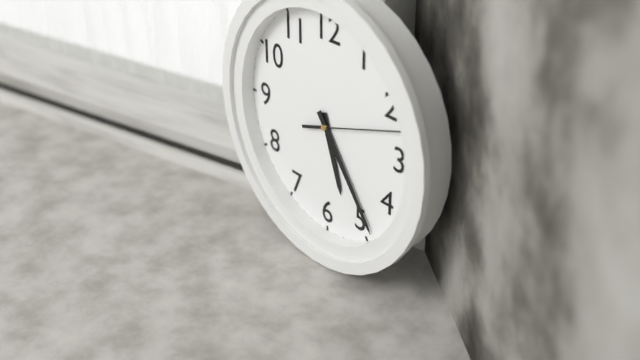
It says 5.24.12
